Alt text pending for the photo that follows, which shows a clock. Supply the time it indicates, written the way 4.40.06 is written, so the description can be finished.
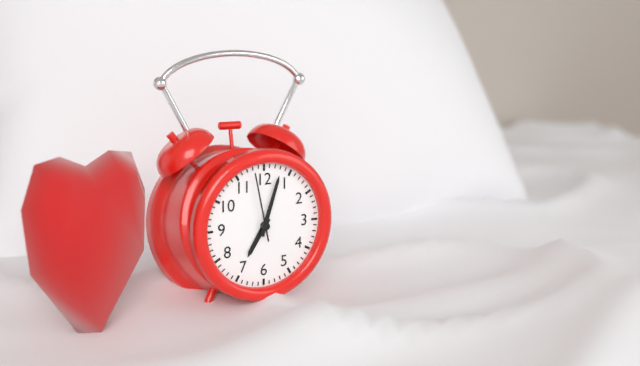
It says 7.03.58
